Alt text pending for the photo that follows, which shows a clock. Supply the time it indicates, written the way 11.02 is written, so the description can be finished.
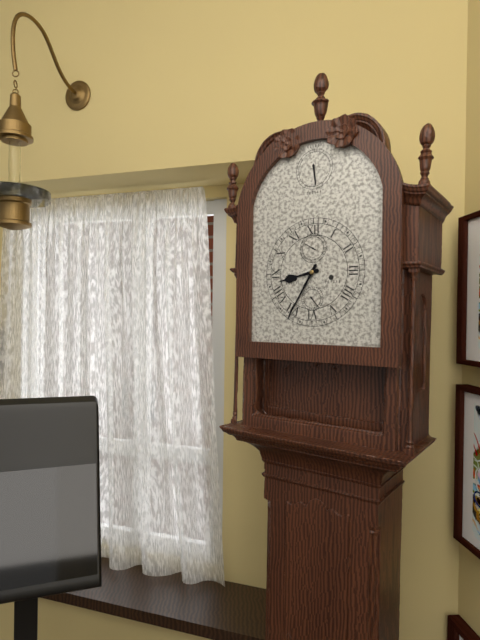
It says 8.35
